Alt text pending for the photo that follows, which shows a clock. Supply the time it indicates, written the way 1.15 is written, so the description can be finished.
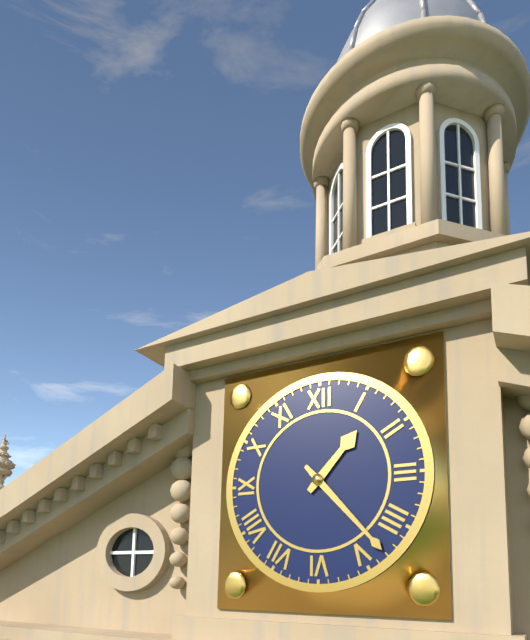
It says 1.23
